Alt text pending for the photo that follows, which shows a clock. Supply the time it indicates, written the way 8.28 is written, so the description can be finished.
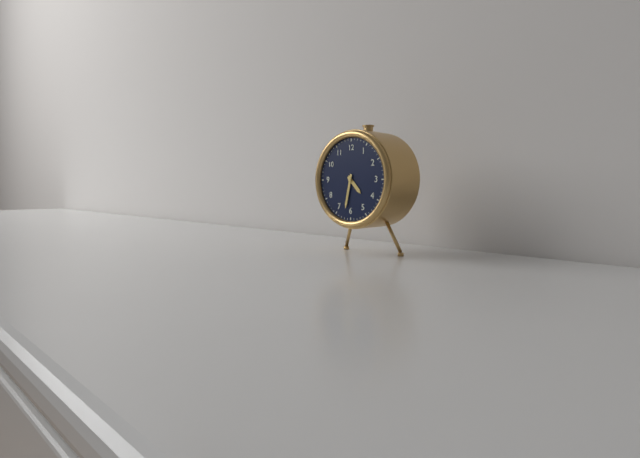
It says 4.32
